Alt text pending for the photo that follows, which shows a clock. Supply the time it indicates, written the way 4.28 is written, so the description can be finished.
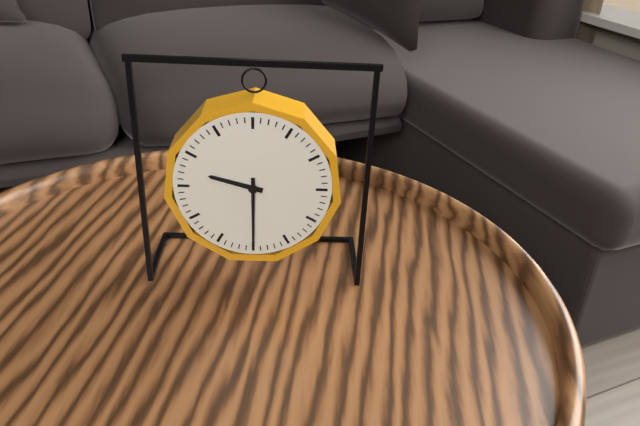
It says 9.30
